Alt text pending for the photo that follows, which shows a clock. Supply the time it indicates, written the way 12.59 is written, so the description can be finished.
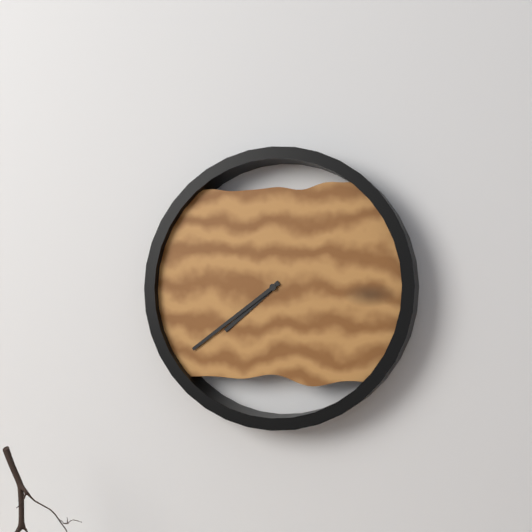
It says 7.39
